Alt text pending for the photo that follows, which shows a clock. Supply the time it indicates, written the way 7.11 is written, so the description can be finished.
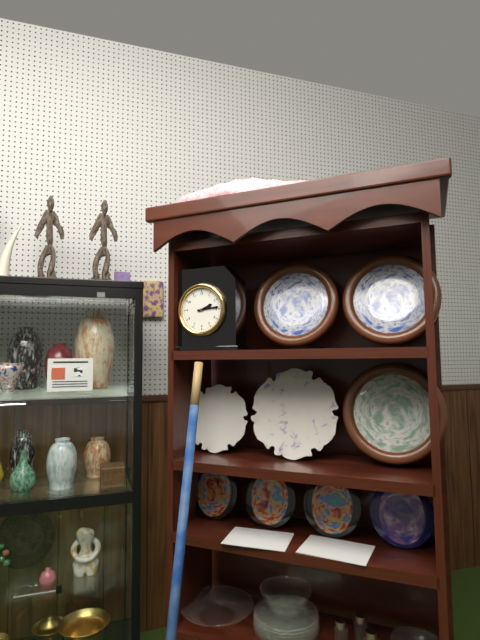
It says 2.14
